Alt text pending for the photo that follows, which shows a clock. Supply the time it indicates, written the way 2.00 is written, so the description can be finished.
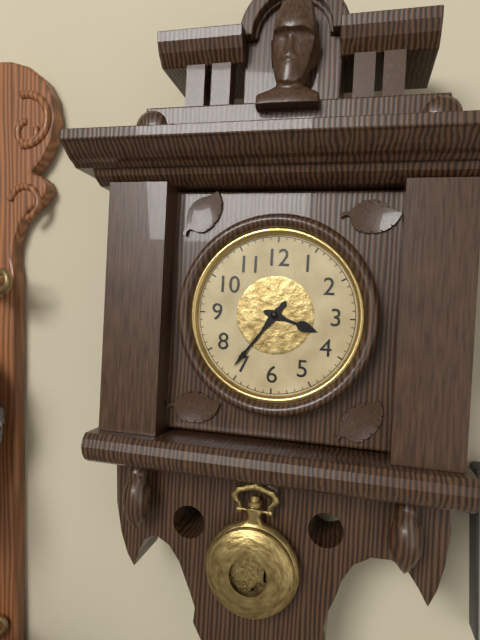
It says 3.36
